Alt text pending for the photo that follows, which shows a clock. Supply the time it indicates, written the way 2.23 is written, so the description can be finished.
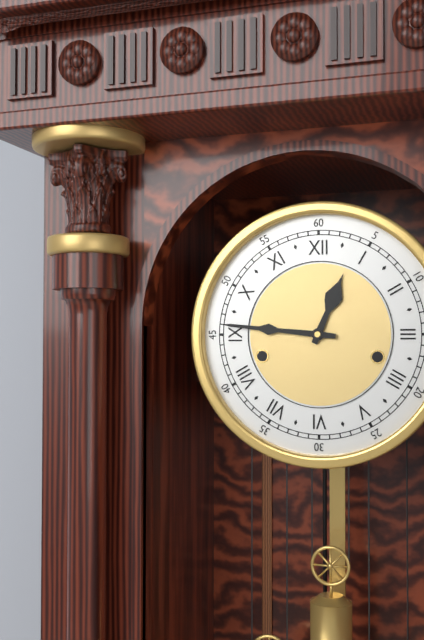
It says 12.46
